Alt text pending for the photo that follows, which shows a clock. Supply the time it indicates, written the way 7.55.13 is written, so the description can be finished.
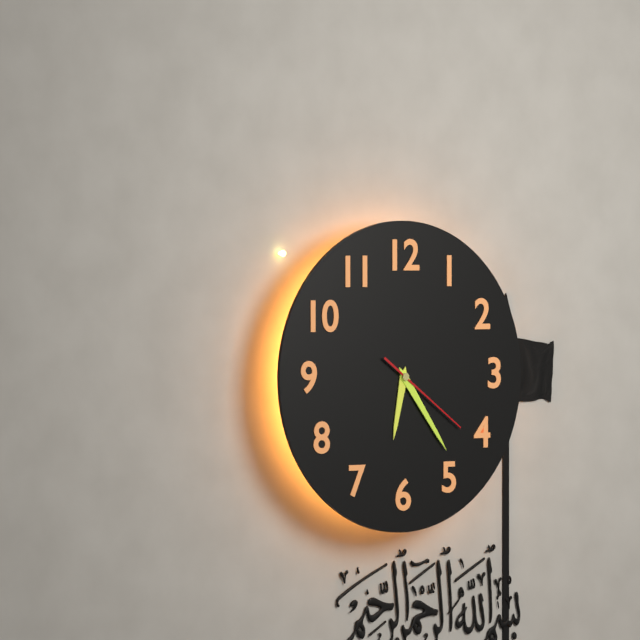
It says 6.24.21
